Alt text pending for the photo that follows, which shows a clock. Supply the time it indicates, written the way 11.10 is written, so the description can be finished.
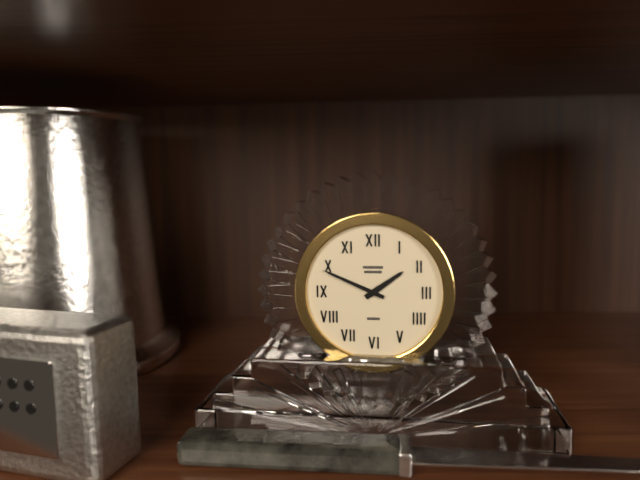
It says 1.49
